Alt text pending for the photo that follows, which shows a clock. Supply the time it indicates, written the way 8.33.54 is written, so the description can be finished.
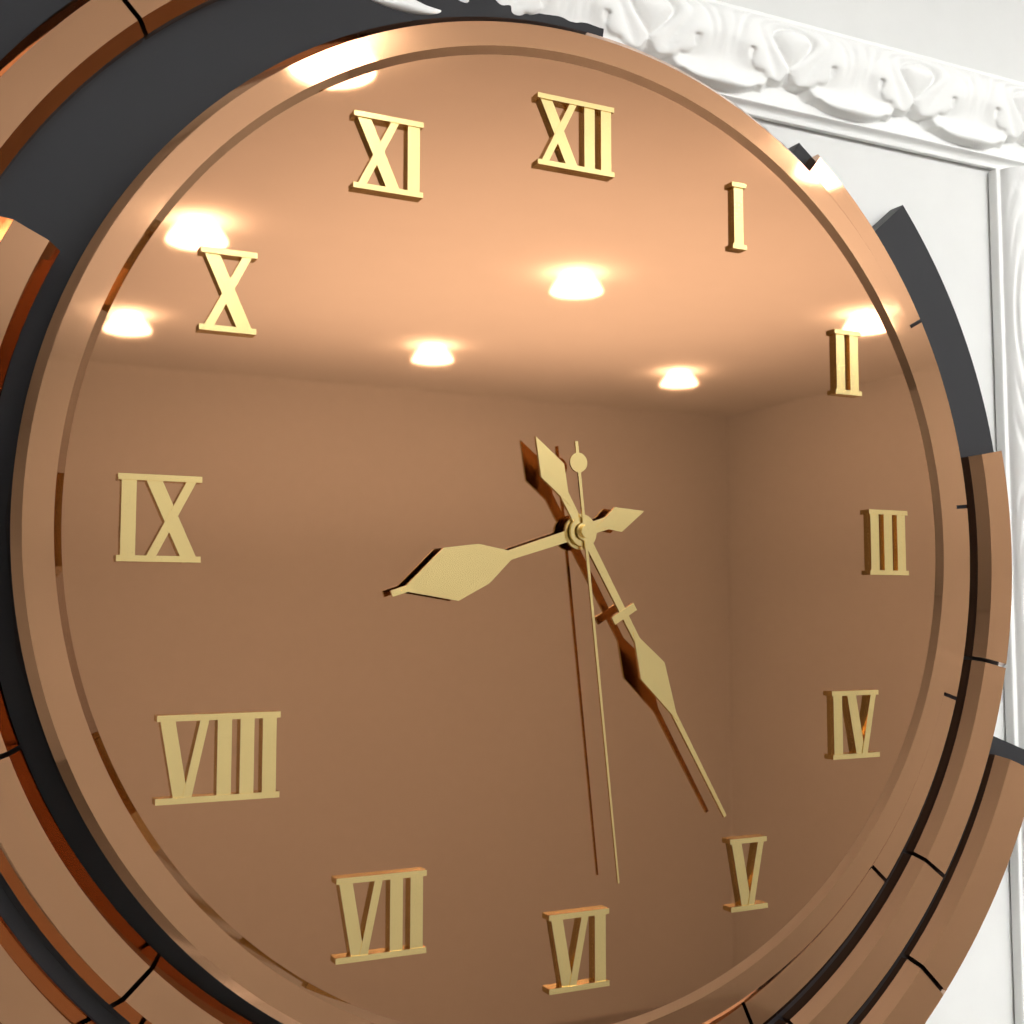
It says 8.25.29
